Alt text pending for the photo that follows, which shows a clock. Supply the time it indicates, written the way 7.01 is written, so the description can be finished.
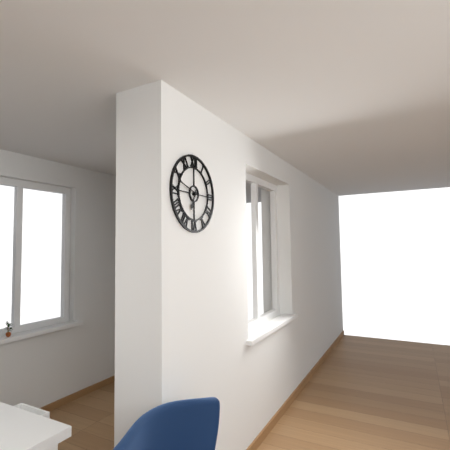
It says 6.48
